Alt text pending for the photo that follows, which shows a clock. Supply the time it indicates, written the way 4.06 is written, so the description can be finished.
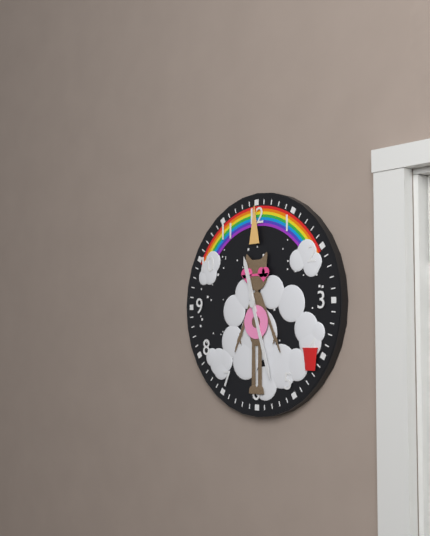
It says 11.27
